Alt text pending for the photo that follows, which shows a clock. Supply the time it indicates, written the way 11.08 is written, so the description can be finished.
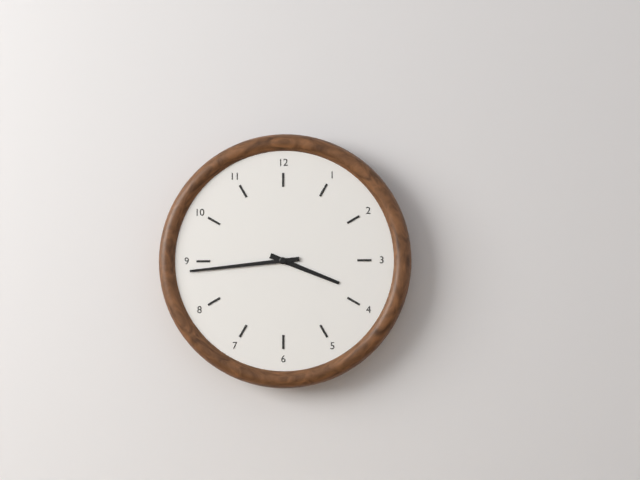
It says 3.44
